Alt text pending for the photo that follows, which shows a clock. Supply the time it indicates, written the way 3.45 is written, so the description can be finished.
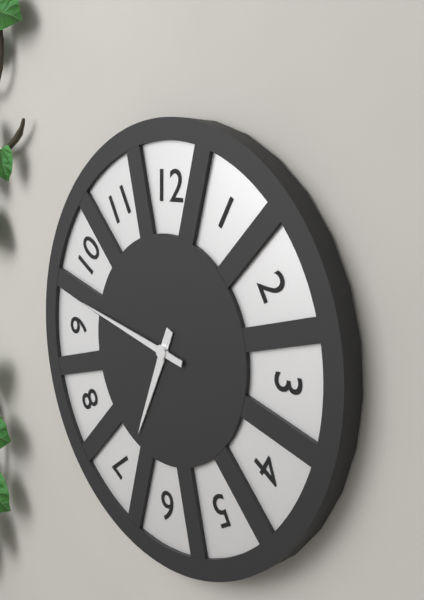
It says 6.47
